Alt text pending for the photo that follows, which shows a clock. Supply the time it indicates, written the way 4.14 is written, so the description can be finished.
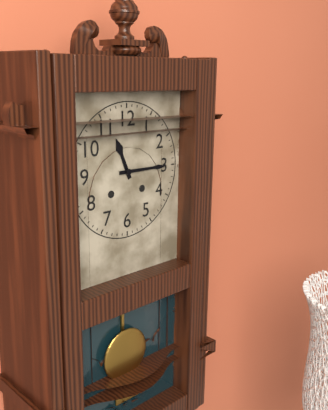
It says 11.15
